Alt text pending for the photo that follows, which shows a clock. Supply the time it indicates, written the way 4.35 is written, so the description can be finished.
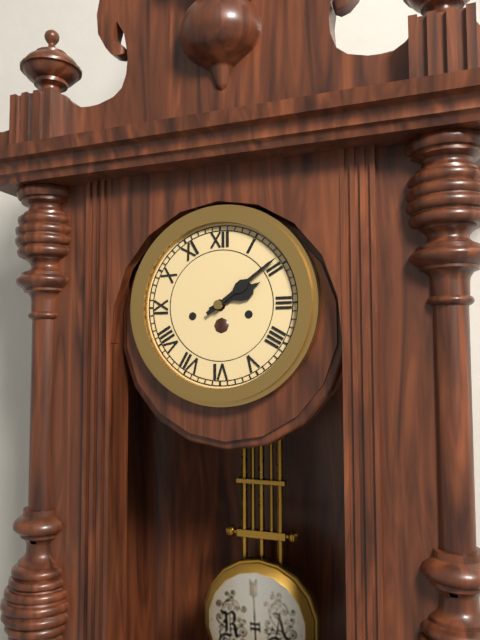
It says 2.09
